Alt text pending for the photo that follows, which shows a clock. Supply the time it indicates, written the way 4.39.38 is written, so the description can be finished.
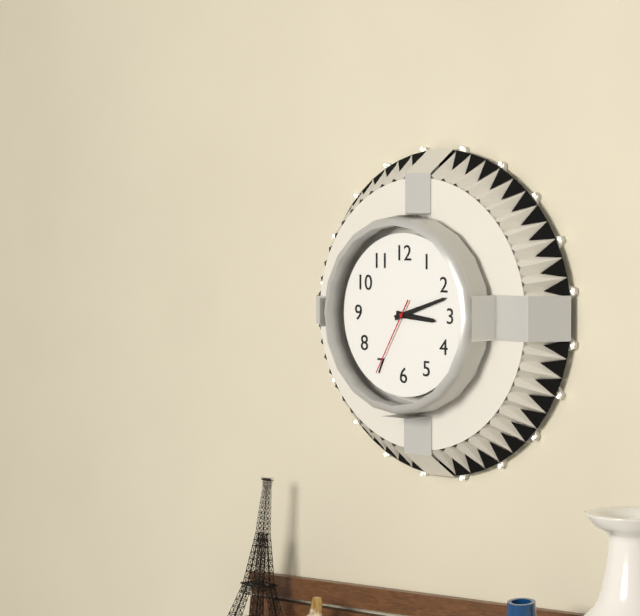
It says 3.12.35
